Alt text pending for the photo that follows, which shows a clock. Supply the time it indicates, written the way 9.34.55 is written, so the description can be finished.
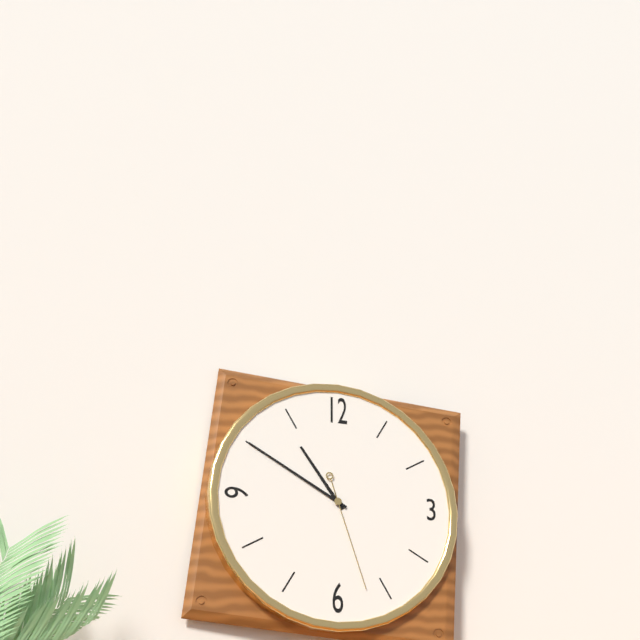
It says 10.50.27
